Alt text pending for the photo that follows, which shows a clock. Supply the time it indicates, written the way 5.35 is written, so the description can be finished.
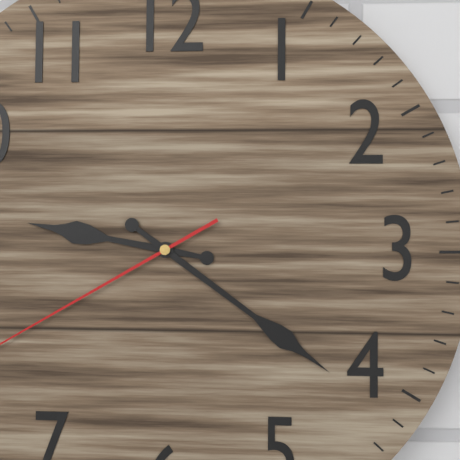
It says 9.21
